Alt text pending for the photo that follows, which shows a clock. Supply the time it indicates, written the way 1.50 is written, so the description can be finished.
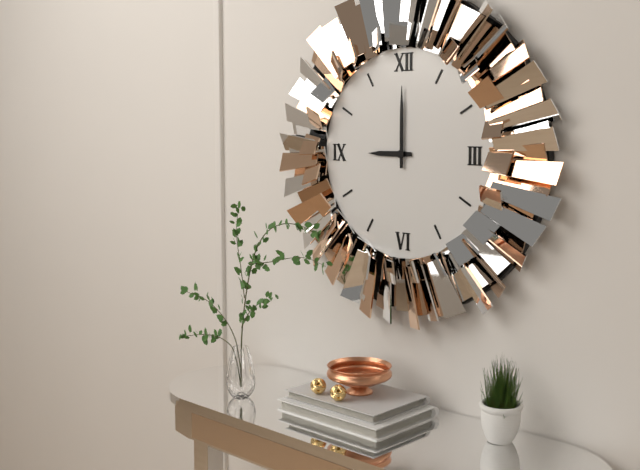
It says 9.00
